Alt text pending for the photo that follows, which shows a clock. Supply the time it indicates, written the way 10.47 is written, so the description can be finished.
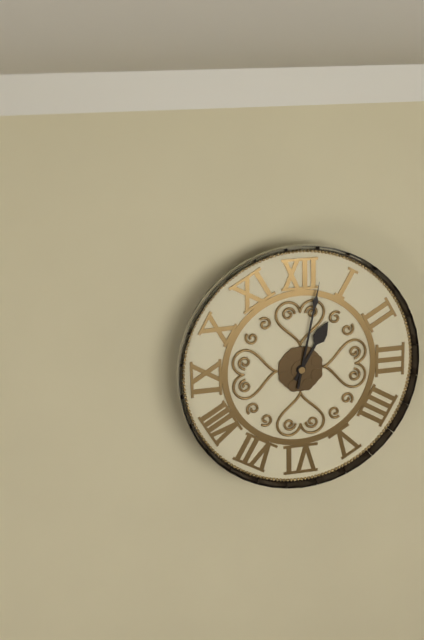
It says 1.02
